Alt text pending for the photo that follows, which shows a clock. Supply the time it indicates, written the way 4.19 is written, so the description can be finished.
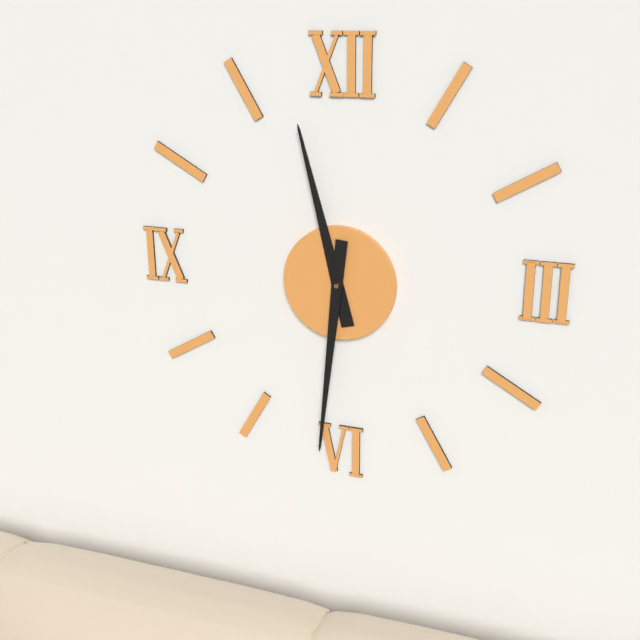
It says 11.31
